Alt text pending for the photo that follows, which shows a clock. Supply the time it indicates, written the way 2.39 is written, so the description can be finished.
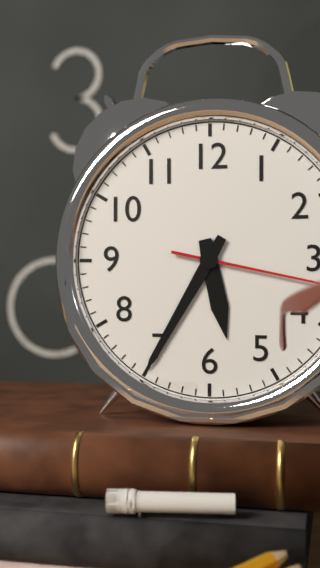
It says 5.35
